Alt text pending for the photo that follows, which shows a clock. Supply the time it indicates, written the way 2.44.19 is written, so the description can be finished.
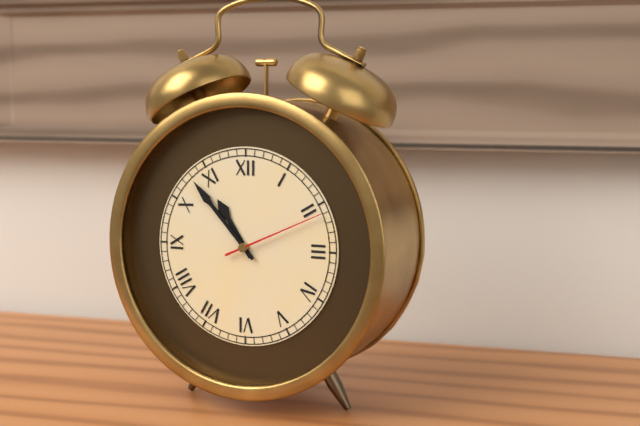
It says 10.53.11
